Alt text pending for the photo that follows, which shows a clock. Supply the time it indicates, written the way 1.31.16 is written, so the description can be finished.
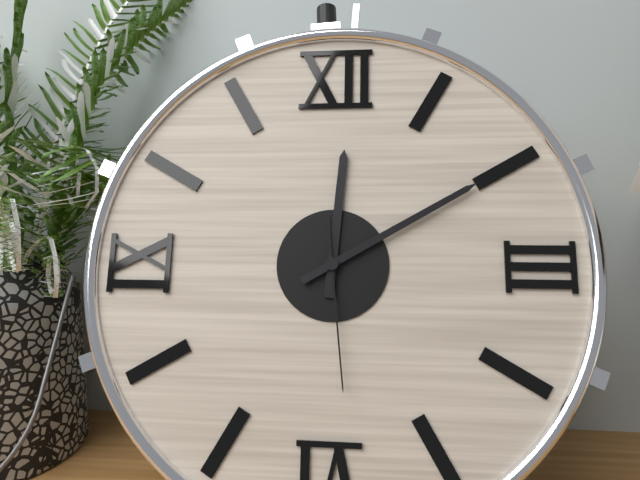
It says 12.10.29
